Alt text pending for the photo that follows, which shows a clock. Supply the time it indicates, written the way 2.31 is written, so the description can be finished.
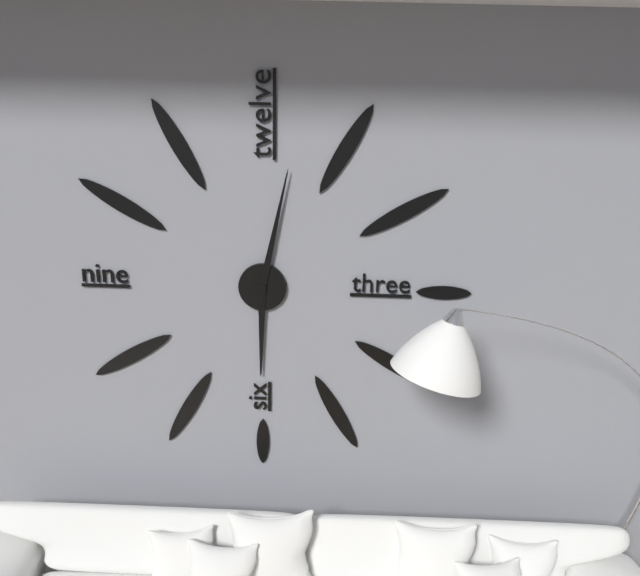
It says 6.02
